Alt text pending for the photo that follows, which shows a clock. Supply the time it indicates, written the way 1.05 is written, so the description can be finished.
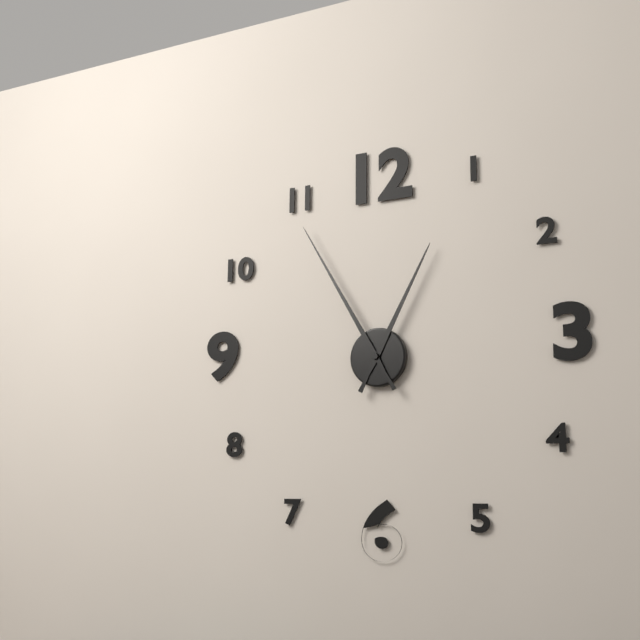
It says 12.55
